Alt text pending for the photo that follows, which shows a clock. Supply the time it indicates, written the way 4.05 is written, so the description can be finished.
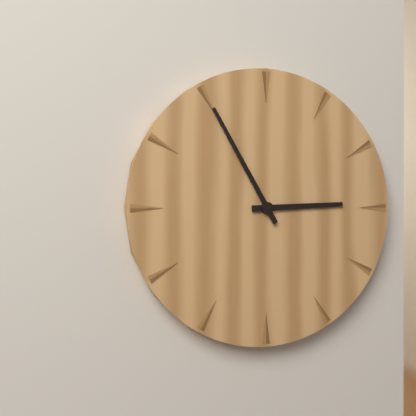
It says 2.55
